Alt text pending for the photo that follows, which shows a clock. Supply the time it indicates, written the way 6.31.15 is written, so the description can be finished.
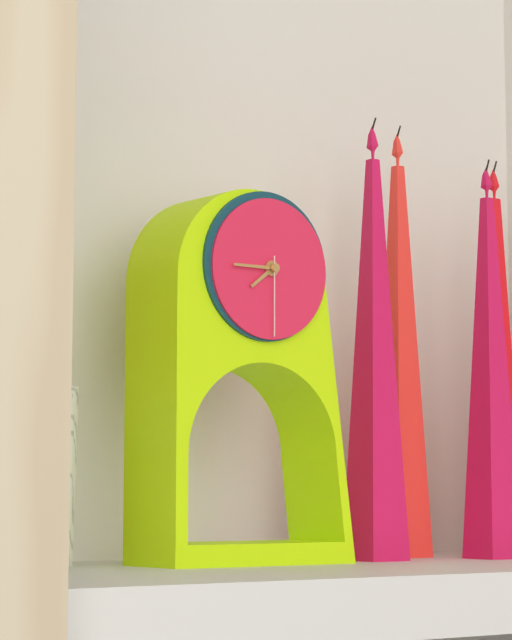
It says 7.45.30
